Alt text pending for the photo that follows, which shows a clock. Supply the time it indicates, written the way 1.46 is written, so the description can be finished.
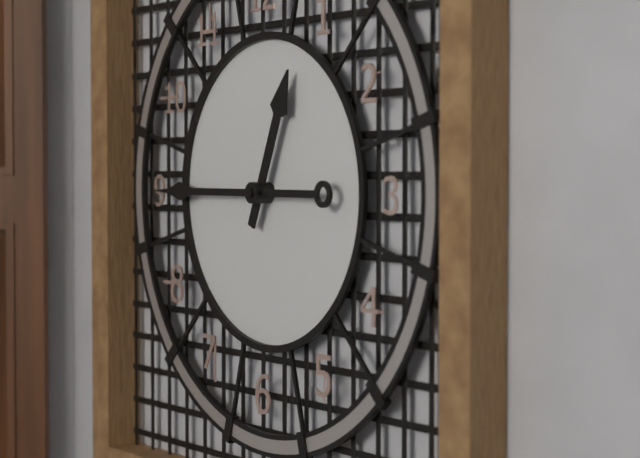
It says 12.45
